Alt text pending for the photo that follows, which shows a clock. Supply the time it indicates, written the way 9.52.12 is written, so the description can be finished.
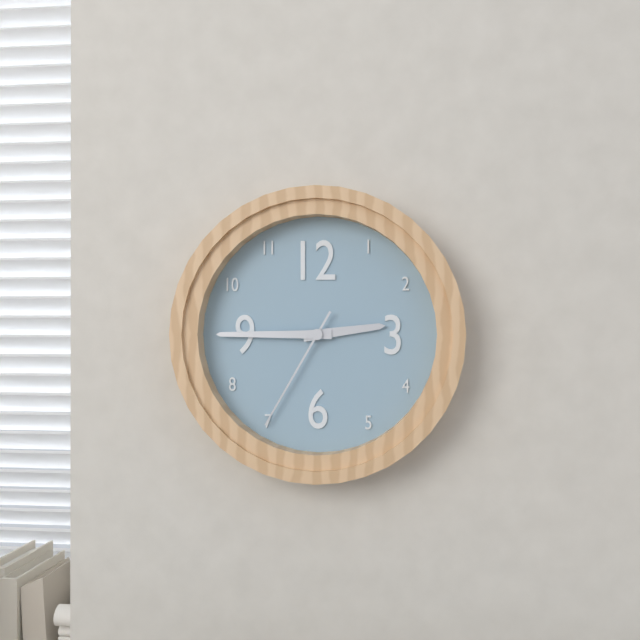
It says 2.45.35
